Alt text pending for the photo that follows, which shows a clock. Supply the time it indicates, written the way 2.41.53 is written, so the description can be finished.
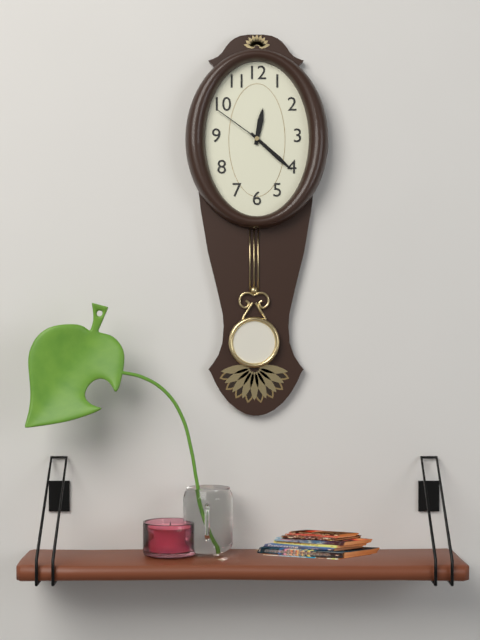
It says 12.22.51
